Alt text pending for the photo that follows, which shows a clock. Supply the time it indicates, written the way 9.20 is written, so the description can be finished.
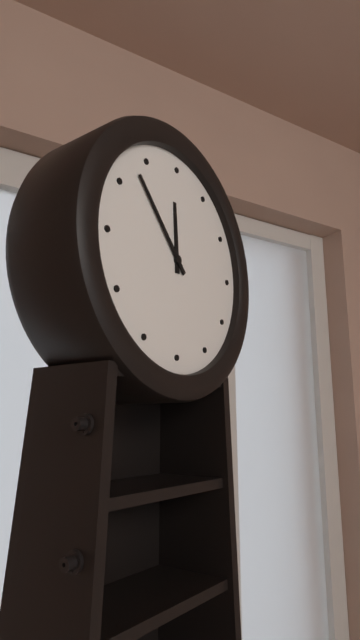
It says 11.53
